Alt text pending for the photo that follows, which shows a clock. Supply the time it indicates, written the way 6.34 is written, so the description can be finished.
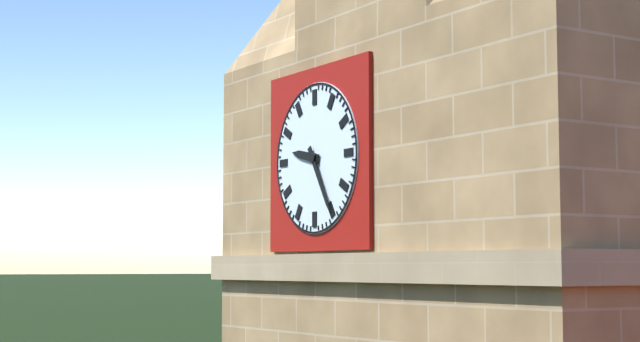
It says 9.25
